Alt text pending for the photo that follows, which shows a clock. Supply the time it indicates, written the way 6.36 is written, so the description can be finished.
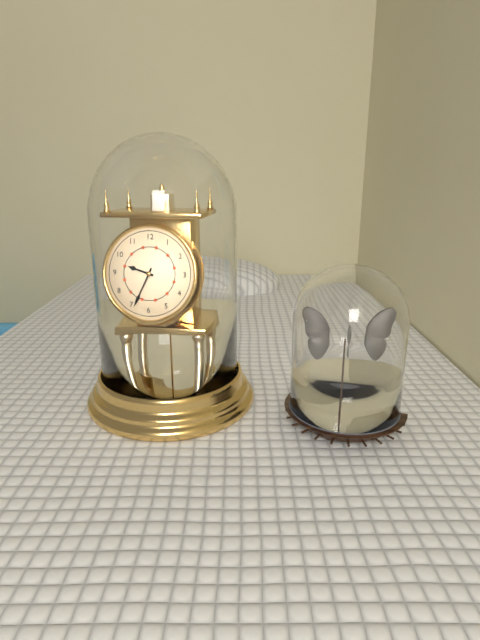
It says 9.34
